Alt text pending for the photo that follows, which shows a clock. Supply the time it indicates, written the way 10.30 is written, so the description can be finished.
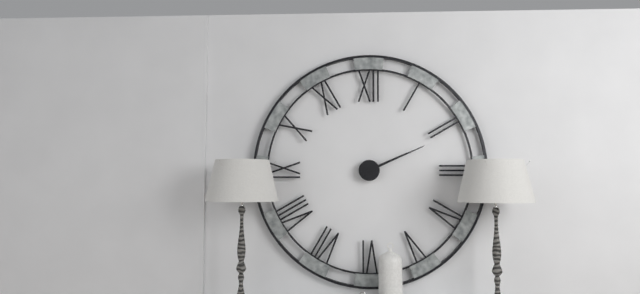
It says 2.11
